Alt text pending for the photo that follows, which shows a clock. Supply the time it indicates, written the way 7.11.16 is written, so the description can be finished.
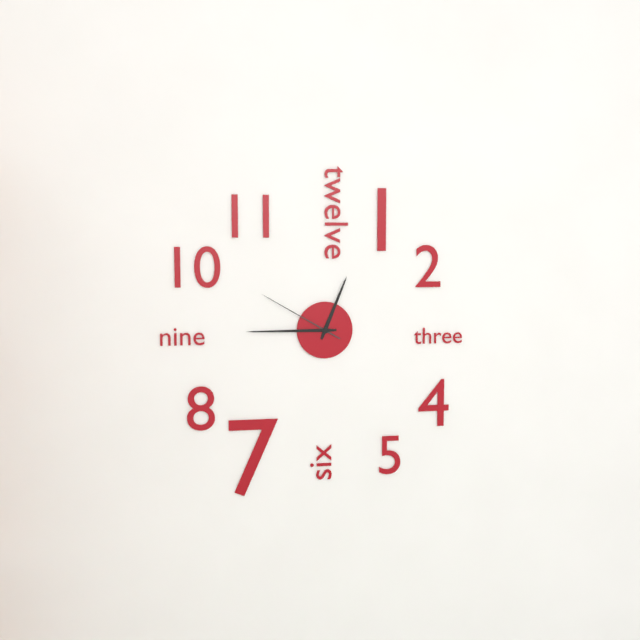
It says 12.45.50
